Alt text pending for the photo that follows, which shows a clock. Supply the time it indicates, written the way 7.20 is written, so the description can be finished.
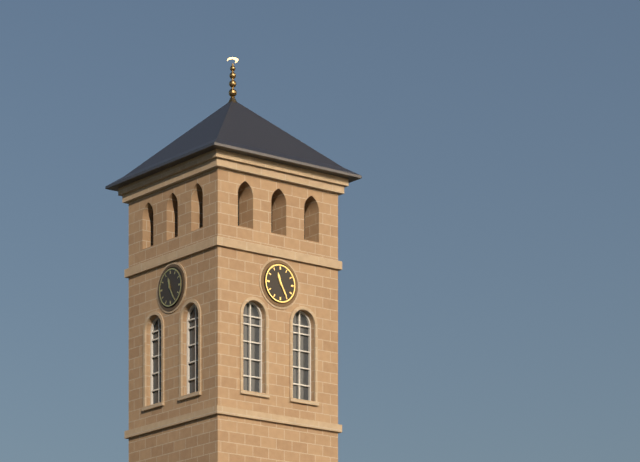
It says 11.25
